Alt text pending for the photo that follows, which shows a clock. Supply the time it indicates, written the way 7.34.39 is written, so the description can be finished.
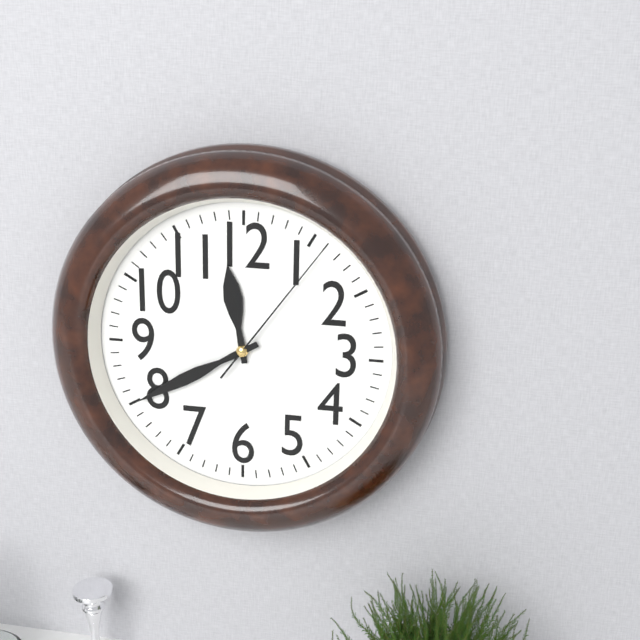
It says 11.40.06
